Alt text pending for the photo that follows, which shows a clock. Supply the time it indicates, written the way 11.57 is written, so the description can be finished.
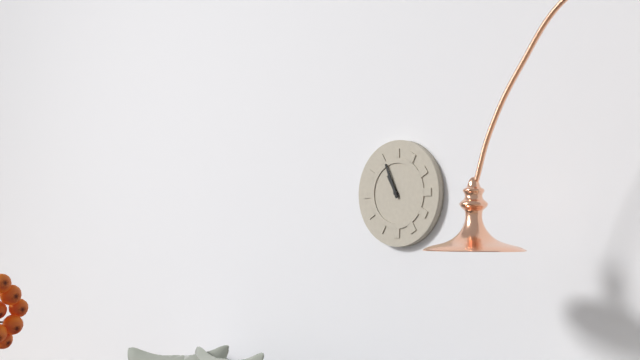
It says 10.56
